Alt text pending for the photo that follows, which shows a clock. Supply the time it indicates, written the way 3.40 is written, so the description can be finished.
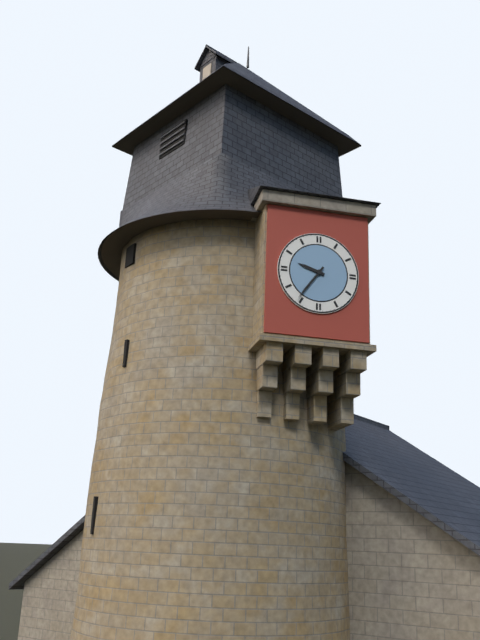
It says 9.36
